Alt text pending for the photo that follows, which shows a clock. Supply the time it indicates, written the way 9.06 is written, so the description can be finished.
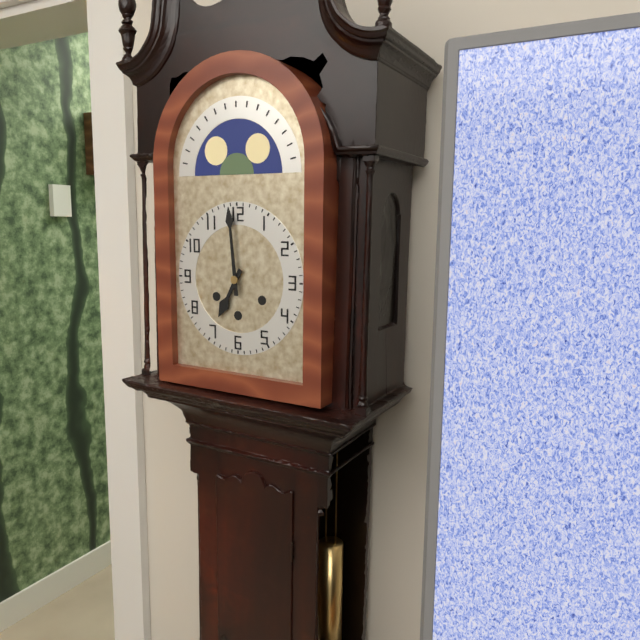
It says 6.59
